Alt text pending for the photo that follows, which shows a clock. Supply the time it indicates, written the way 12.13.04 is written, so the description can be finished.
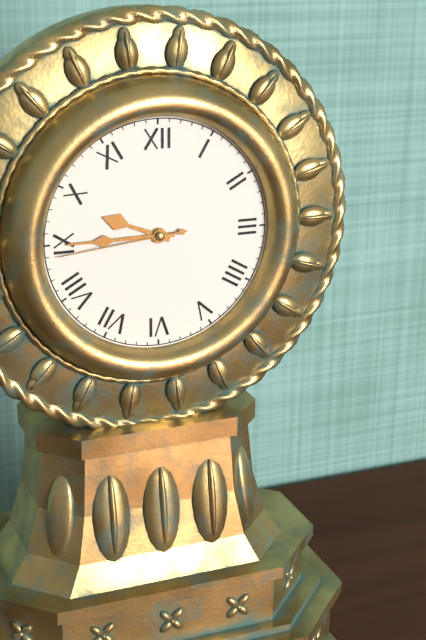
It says 9.45.44
